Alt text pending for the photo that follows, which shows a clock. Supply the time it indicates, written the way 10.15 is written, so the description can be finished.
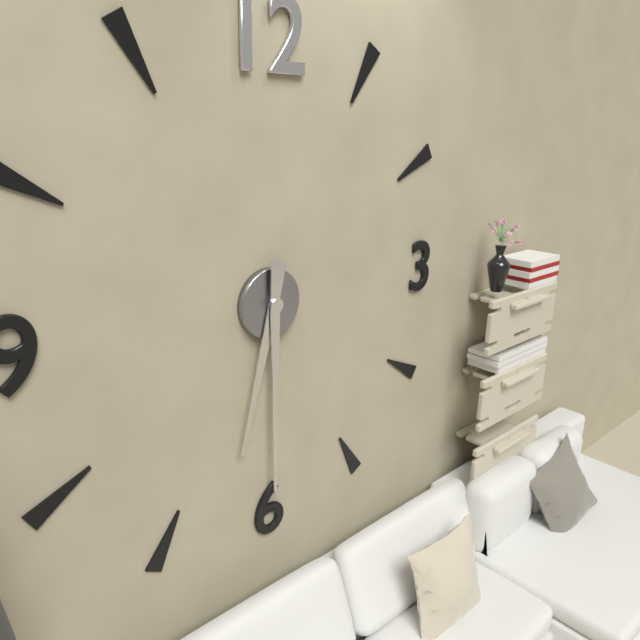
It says 6.30
